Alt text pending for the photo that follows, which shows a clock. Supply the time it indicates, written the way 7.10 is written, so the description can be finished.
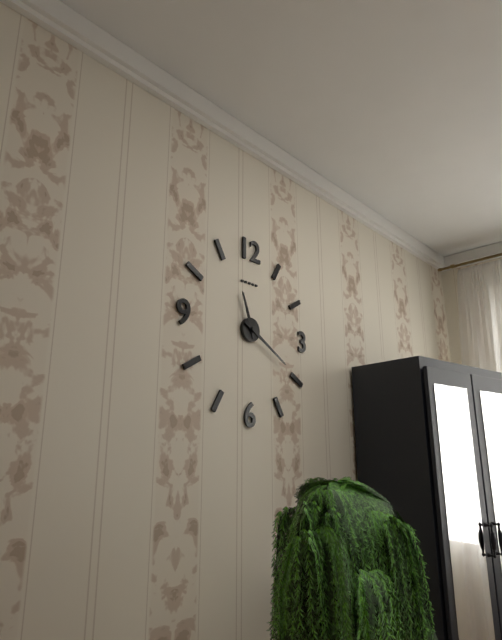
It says 11.20
